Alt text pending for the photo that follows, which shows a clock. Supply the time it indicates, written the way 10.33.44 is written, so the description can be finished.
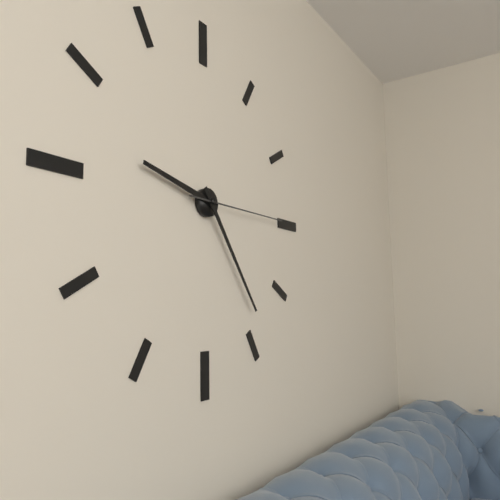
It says 9.24.15
